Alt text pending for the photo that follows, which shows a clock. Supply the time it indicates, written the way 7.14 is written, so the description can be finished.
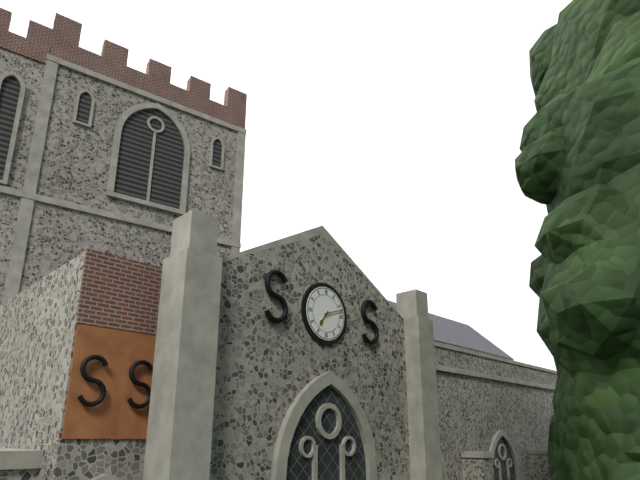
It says 7.12
